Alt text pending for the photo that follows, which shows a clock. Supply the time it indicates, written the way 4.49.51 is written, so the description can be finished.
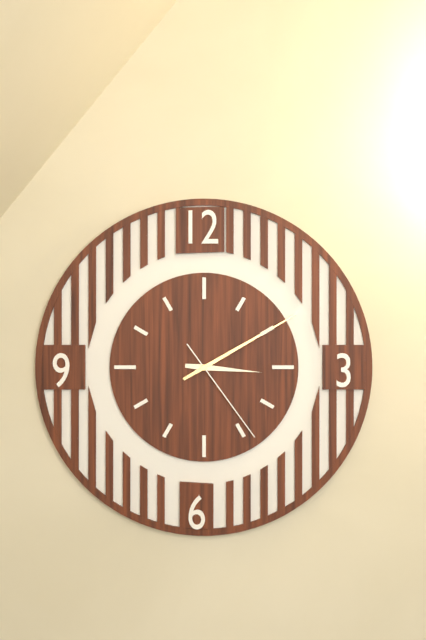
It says 3.10.24
